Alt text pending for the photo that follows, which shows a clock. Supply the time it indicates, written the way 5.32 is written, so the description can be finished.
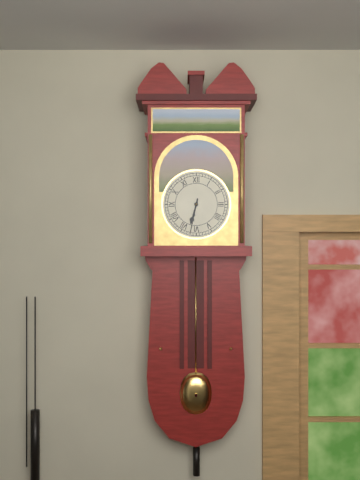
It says 6.32
